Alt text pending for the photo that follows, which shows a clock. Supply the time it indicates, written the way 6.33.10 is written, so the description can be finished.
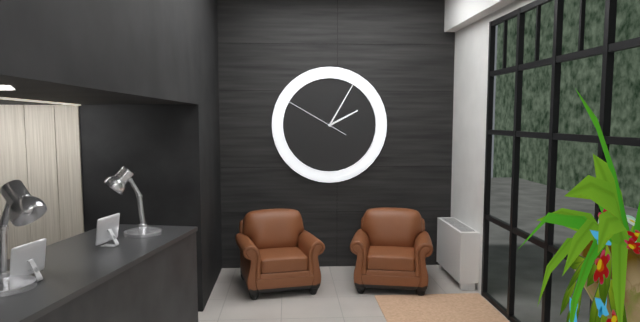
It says 2.05.50
